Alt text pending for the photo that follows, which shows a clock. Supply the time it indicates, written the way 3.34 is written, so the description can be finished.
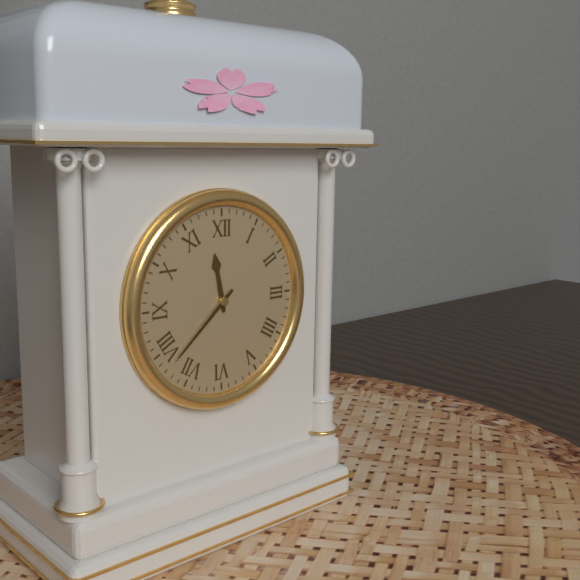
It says 11.38
